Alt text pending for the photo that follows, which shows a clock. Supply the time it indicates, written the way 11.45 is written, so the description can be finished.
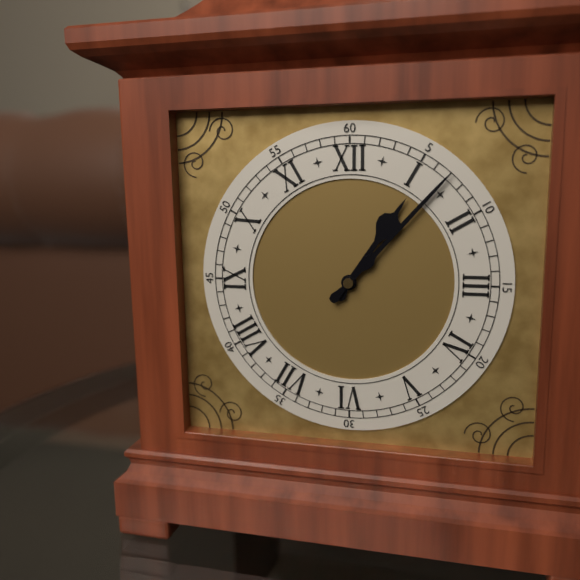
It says 1.07
